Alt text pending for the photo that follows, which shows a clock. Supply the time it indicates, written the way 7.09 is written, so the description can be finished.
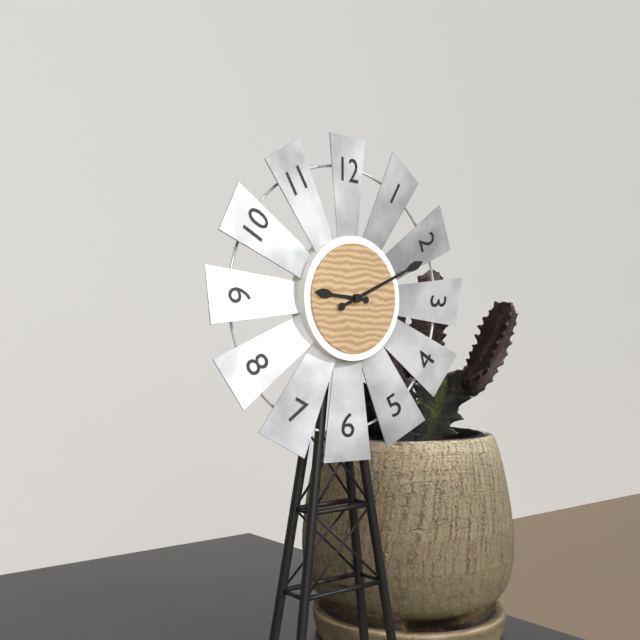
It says 9.11
